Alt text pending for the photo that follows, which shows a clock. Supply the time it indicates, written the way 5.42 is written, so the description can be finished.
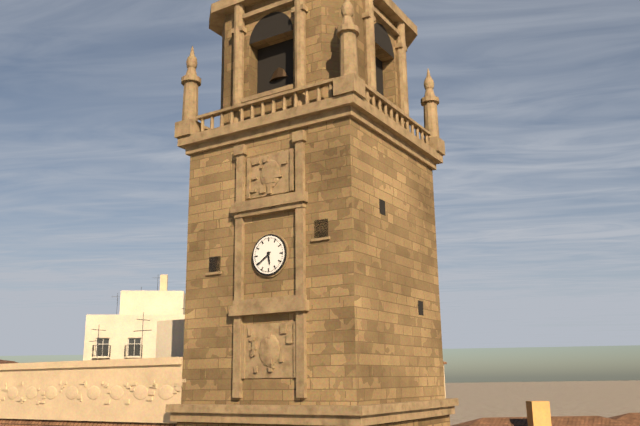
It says 5.39
